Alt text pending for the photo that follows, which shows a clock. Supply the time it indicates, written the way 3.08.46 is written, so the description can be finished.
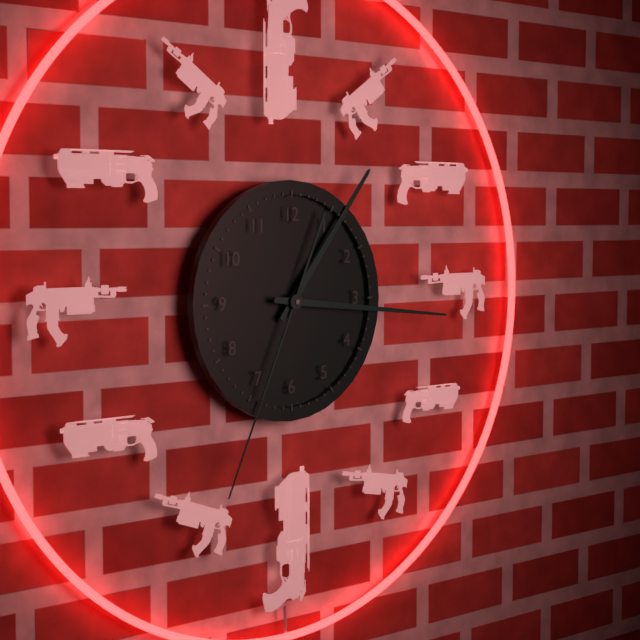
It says 1.16.34
